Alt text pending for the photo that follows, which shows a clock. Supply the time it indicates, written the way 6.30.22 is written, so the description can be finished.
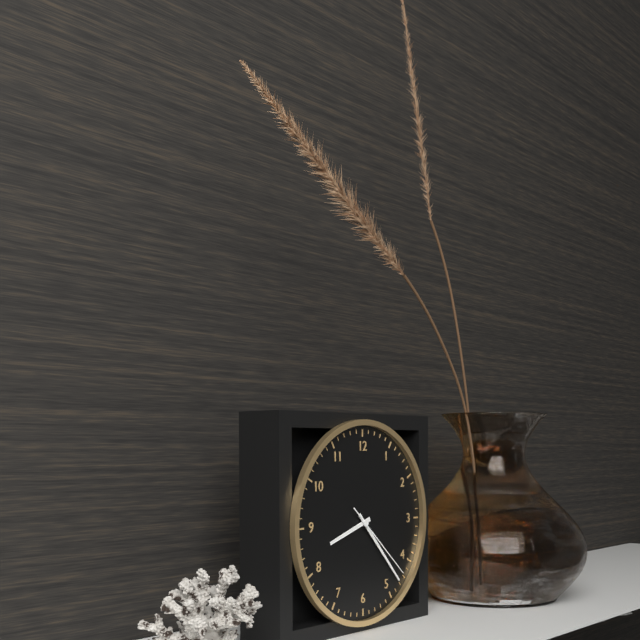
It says 8.23.22
